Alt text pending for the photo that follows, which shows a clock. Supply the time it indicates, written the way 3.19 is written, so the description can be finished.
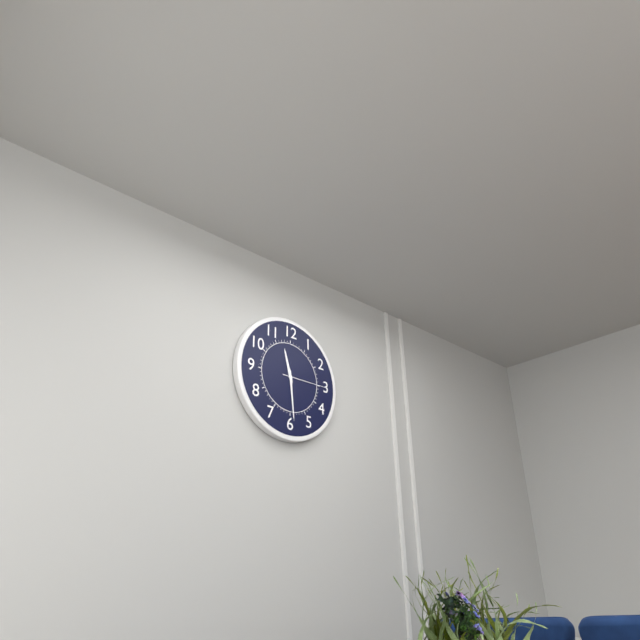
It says 11.29
